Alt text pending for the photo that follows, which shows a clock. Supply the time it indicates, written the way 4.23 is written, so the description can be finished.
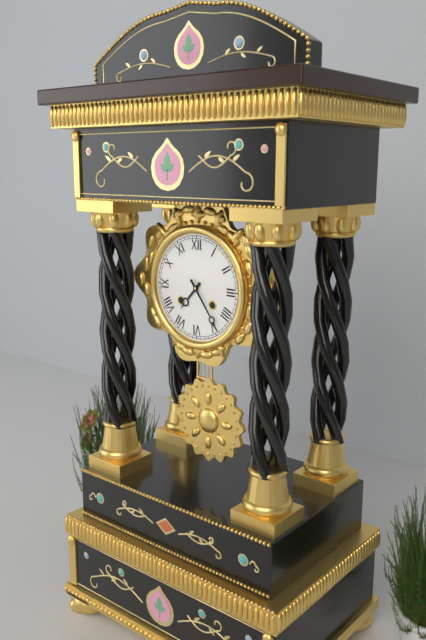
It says 7.24
